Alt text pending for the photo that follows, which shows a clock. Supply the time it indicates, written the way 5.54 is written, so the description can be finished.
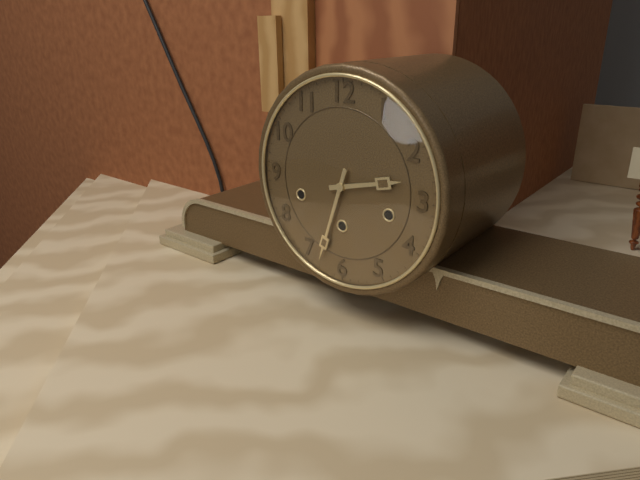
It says 2.33
